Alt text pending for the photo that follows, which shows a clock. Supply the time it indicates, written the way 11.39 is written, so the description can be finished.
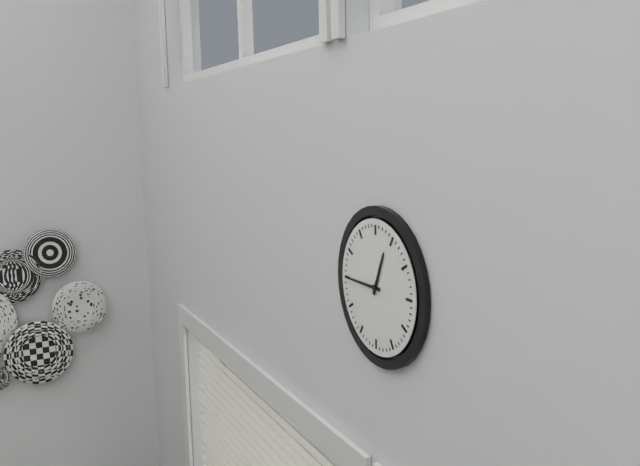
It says 12.45
